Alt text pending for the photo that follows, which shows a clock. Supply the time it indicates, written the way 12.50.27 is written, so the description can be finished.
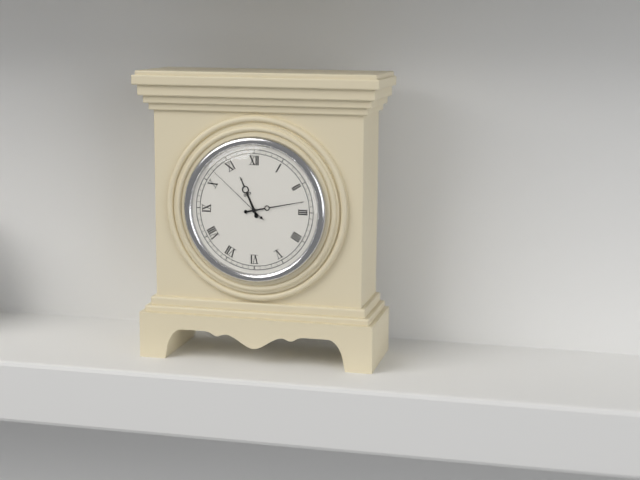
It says 11.13.52
